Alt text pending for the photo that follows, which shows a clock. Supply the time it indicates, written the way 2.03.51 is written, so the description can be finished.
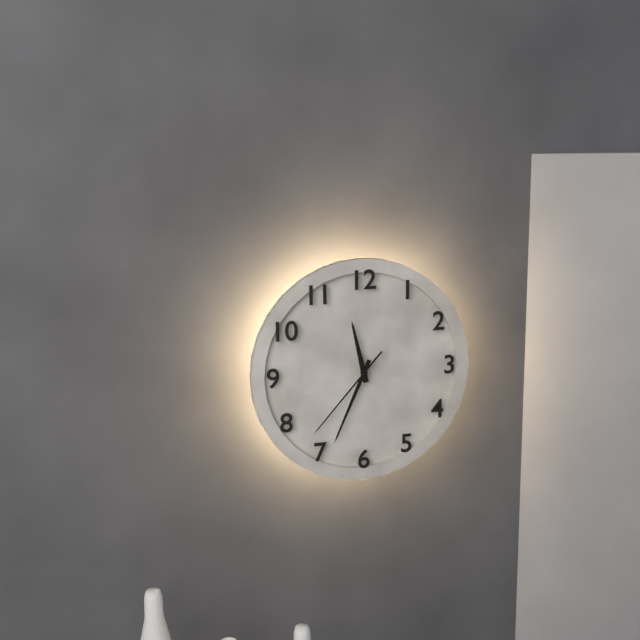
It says 11.34.37
